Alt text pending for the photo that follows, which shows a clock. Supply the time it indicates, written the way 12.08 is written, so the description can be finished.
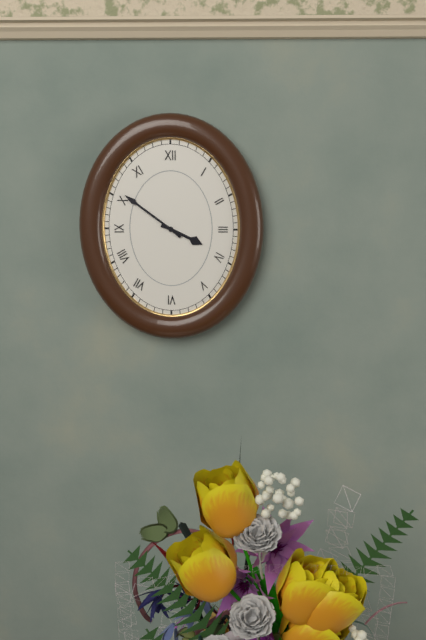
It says 3.51
